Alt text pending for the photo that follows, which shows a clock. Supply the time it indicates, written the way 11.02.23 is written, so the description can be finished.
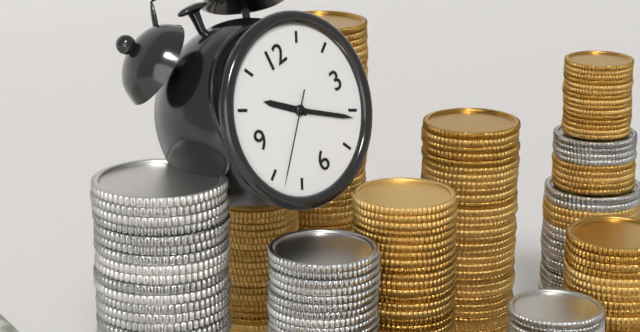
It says 10.21.38
